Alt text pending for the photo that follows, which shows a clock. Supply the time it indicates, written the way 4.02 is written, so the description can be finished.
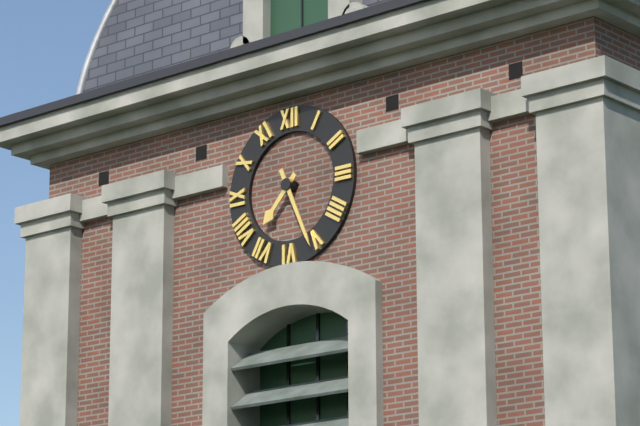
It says 7.26
